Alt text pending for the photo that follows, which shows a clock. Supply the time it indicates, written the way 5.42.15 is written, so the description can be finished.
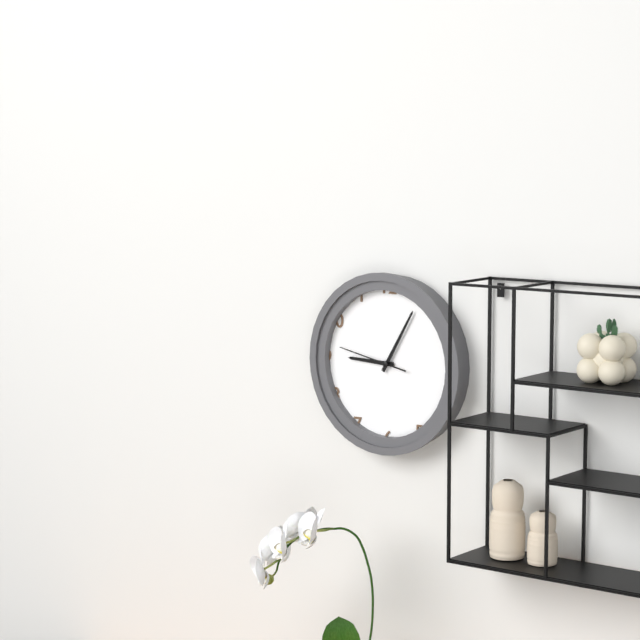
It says 9.05.47
